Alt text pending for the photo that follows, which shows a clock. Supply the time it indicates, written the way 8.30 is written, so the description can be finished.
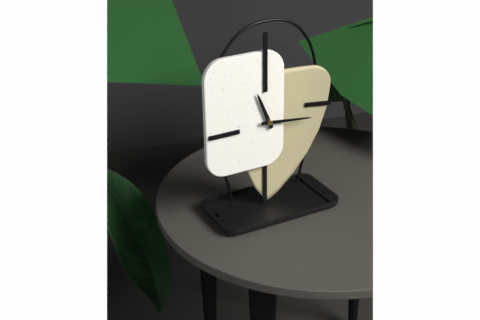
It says 11.16
